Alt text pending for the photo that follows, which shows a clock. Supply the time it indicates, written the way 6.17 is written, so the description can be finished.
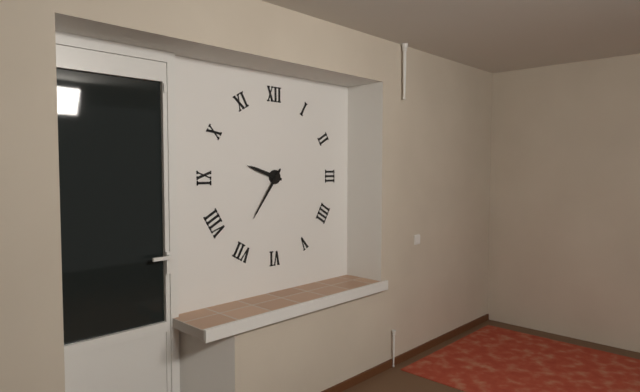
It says 9.36
